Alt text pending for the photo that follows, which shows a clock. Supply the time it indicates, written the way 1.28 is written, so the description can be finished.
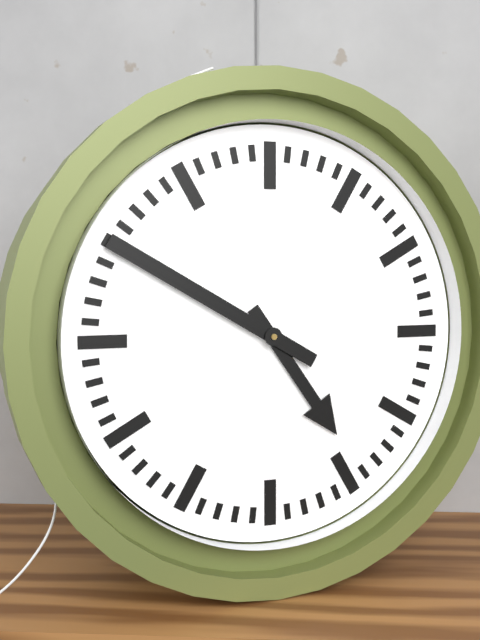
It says 4.50
